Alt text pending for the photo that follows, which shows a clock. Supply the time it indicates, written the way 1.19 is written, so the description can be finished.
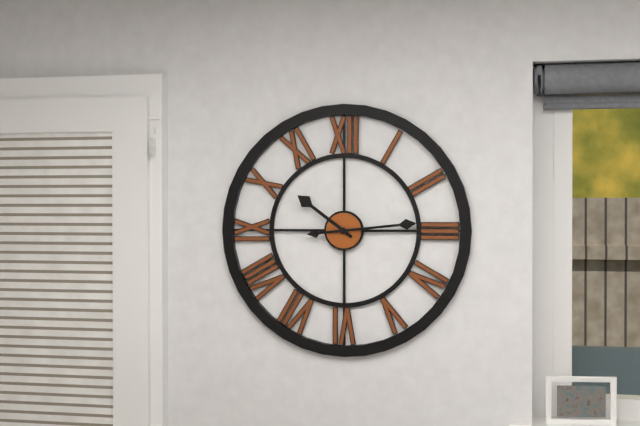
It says 10.14
